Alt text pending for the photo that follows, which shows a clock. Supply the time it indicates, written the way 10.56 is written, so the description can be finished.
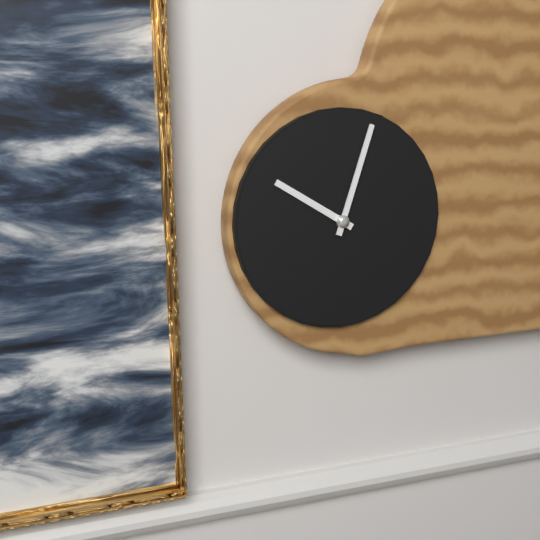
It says 10.03
